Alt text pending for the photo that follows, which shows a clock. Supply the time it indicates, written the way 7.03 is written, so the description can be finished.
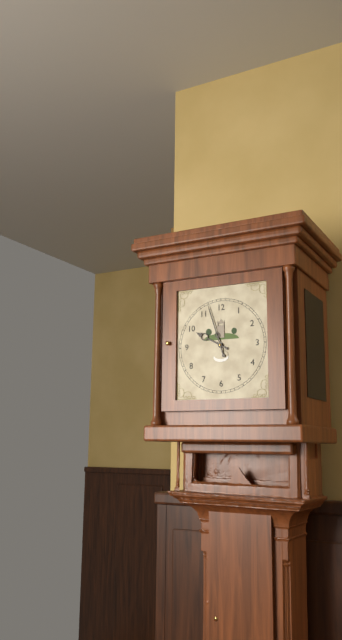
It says 9.57
